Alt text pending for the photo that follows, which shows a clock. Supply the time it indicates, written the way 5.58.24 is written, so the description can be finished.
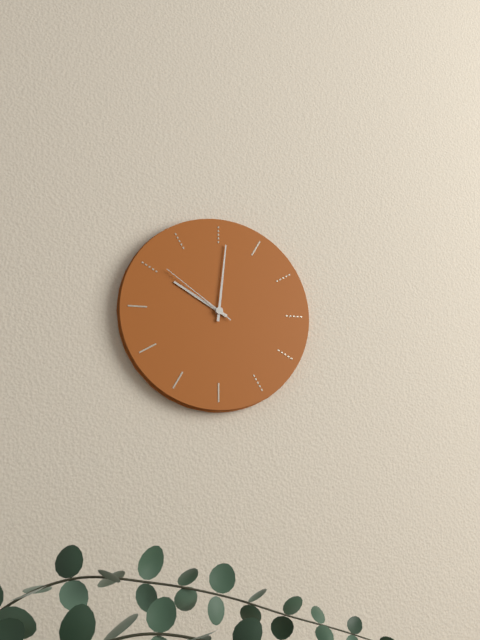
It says 10.01.51
